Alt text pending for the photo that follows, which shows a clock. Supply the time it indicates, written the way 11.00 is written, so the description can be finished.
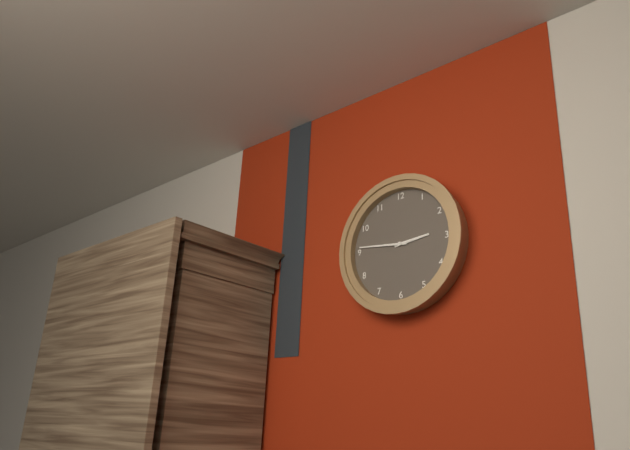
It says 2.46
